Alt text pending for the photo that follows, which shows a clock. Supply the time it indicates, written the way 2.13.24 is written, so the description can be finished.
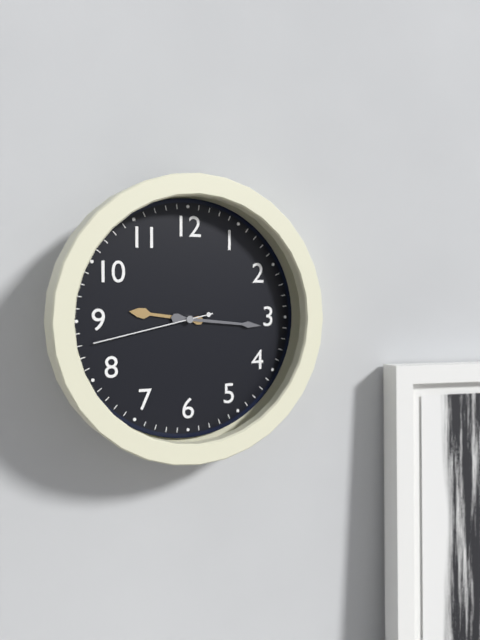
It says 9.16.43
